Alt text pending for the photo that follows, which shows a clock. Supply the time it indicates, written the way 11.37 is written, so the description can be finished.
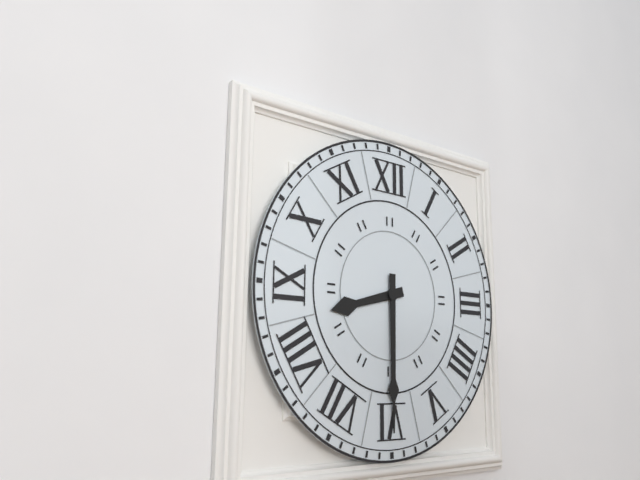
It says 8.30
